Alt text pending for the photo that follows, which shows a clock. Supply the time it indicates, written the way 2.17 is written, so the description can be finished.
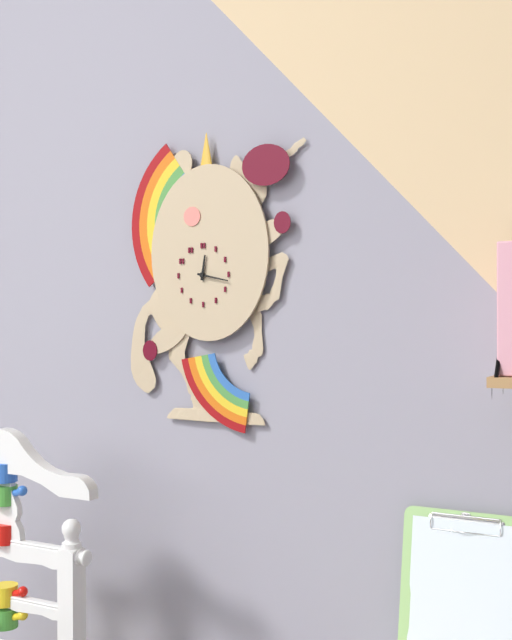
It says 12.17
